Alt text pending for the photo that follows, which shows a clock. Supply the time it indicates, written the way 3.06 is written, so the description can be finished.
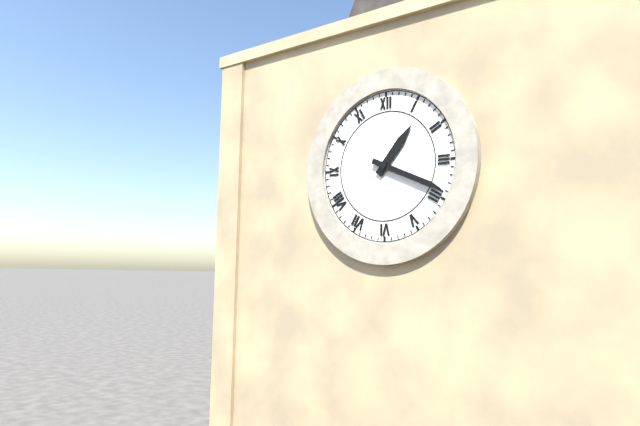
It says 1.19
